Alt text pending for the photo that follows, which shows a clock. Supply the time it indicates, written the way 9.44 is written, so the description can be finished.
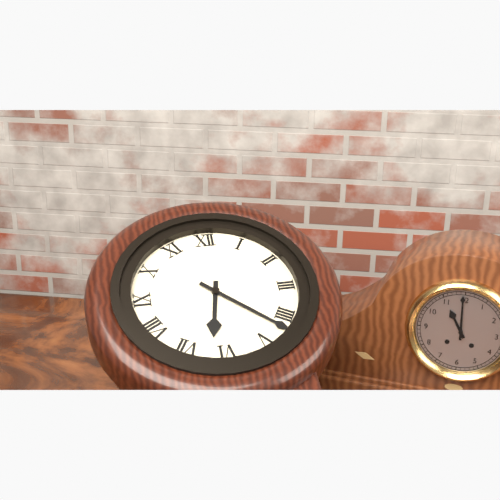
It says 6.22
